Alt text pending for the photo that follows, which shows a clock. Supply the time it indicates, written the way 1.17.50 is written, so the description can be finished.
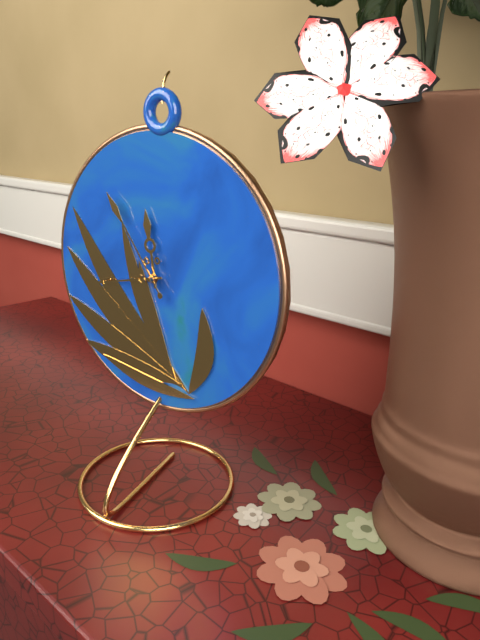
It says 11.43.54
